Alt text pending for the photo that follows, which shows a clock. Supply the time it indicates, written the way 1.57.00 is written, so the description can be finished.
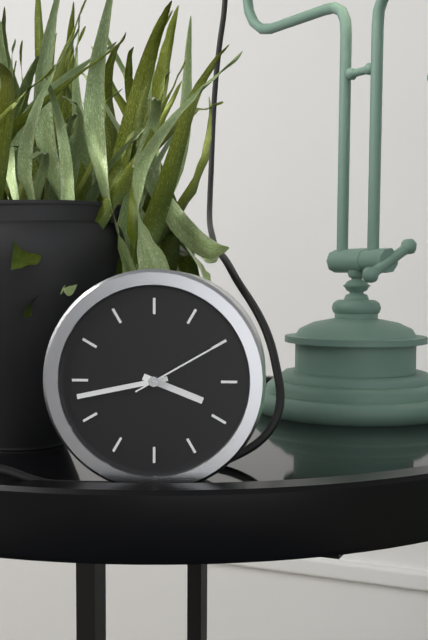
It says 3.43.10
